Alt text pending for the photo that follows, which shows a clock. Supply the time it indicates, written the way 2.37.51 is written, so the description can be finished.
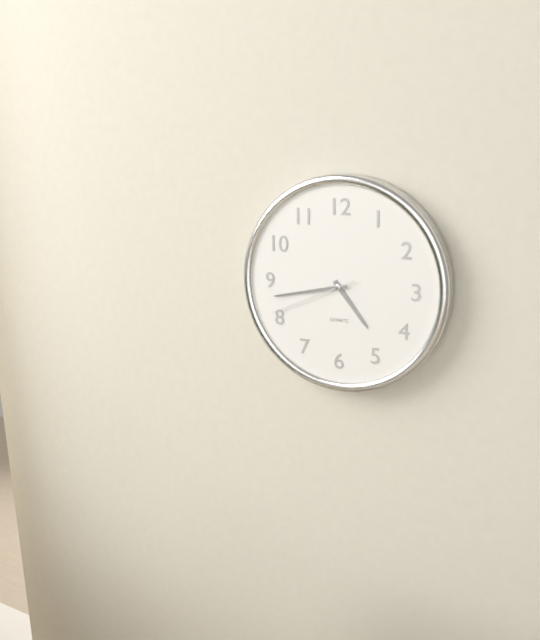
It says 4.43.41
